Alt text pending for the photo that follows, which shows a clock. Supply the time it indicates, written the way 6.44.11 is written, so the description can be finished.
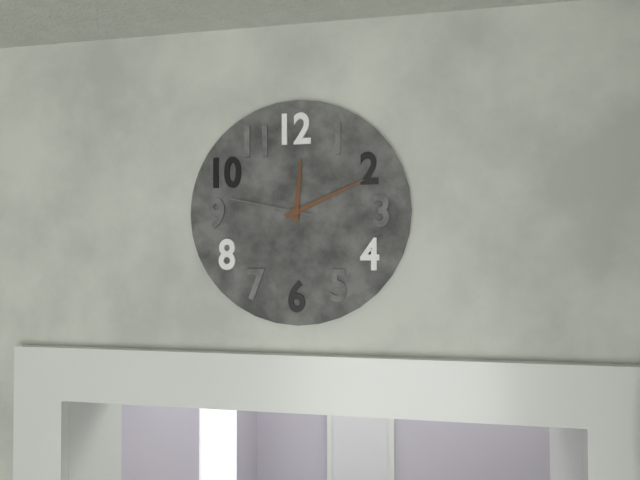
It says 12.11.47
